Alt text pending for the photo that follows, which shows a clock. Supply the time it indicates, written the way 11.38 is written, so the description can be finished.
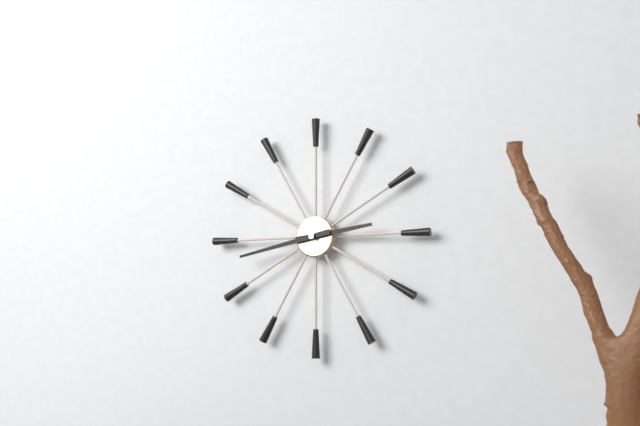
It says 2.43
